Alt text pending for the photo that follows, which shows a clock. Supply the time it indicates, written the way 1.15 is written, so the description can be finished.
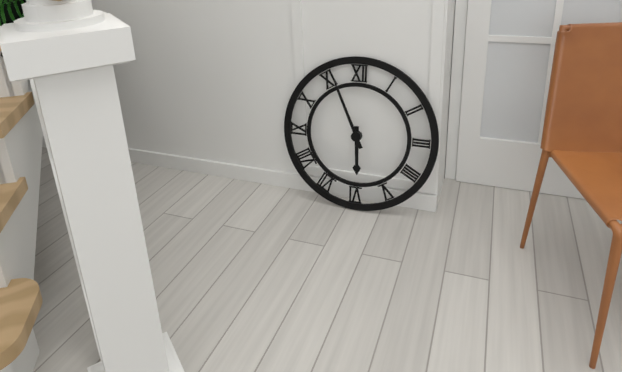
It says 5.56
